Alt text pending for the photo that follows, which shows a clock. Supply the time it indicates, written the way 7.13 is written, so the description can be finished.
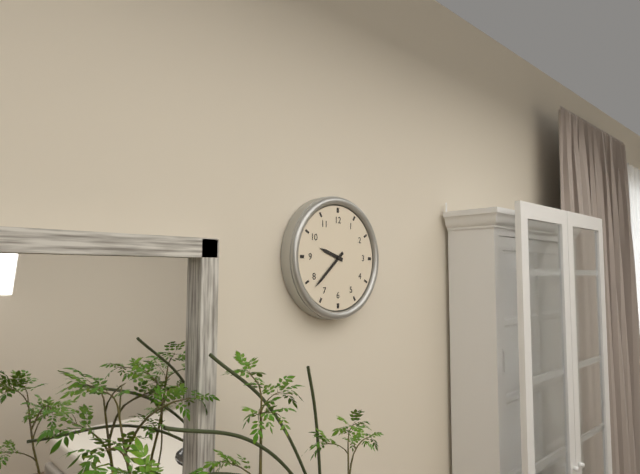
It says 9.38
